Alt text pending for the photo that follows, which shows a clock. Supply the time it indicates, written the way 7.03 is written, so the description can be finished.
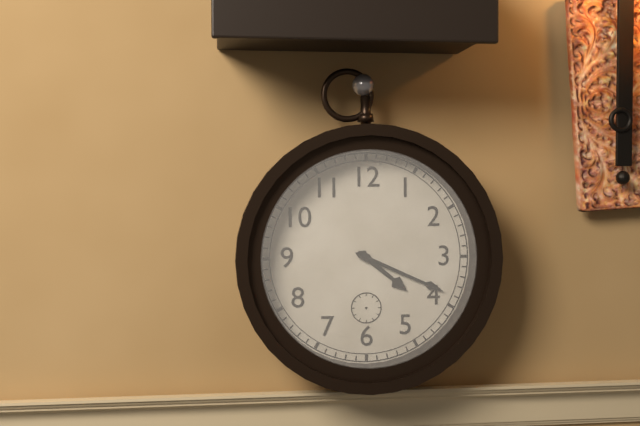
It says 4.19
